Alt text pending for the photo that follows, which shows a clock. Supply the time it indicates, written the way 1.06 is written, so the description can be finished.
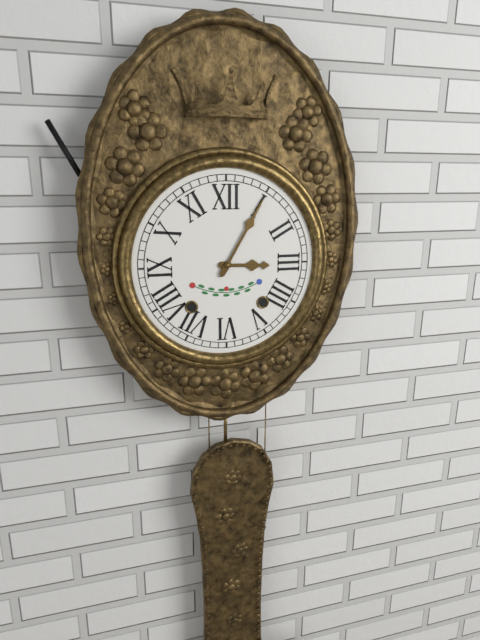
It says 3.05
